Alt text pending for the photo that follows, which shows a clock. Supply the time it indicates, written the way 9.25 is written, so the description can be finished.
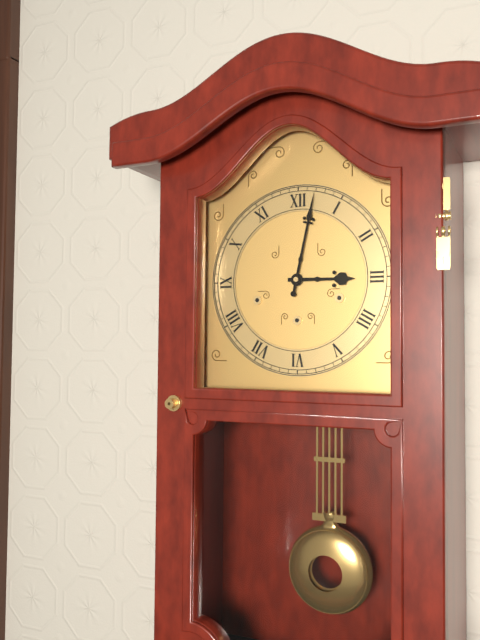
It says 3.02
